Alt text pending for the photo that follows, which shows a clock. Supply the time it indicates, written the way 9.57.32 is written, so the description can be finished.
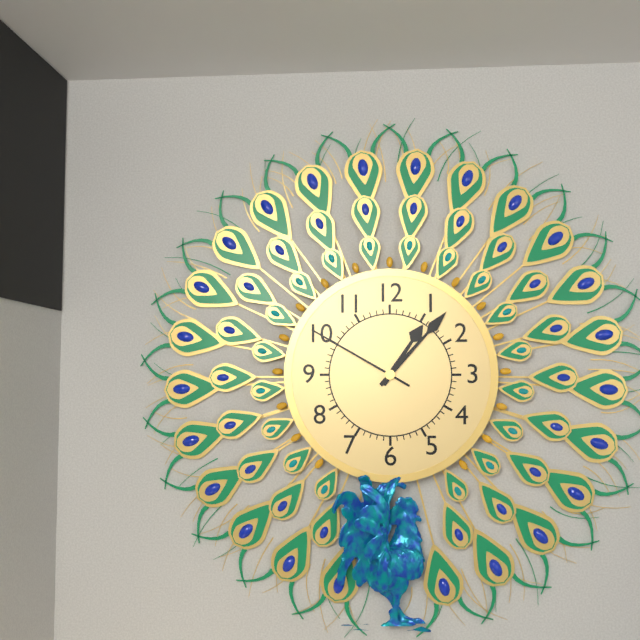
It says 1.07.50
